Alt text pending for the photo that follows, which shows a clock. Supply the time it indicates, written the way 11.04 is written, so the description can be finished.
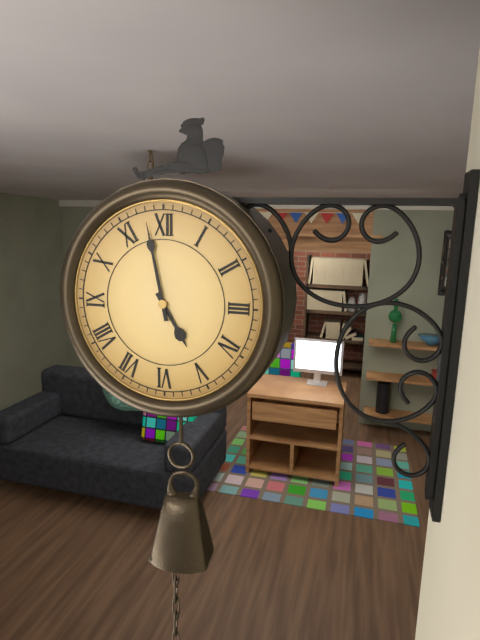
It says 4.58
